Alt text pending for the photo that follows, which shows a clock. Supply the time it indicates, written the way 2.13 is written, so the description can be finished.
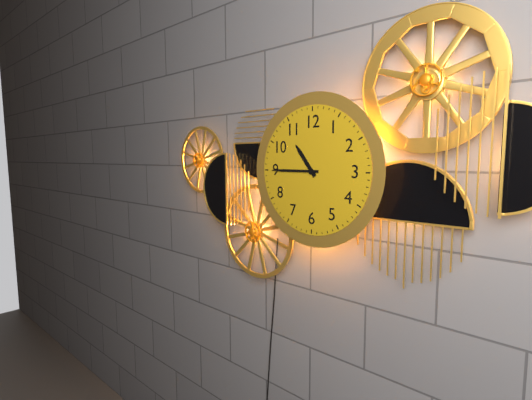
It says 10.45
